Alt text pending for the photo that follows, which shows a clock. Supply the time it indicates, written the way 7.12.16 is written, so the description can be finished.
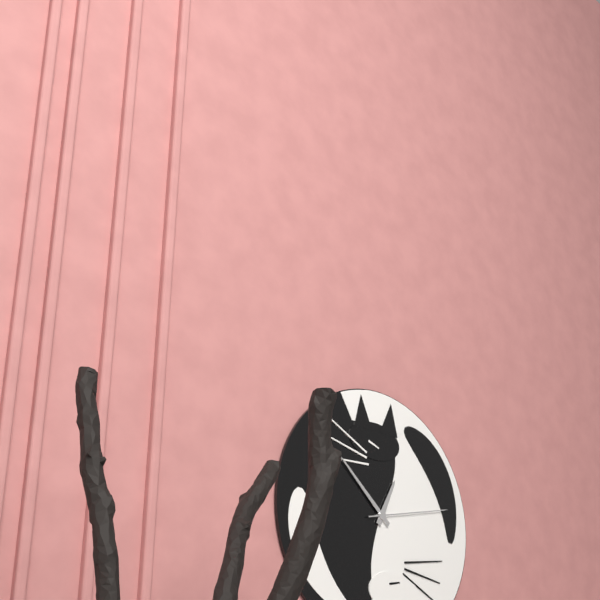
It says 12.52.13
